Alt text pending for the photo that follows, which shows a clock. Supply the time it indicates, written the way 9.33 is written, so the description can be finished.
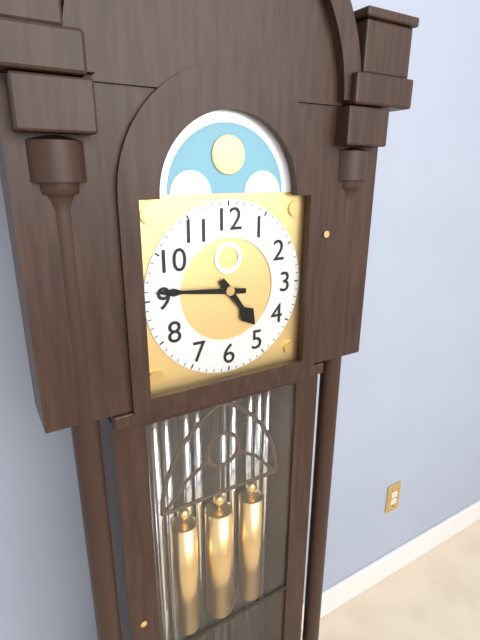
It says 4.46
